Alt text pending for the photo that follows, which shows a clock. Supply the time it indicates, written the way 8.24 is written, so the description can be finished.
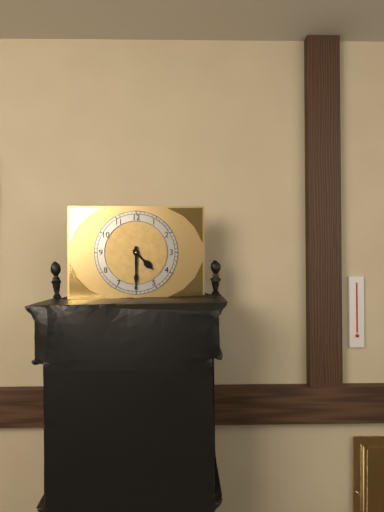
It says 4.30
